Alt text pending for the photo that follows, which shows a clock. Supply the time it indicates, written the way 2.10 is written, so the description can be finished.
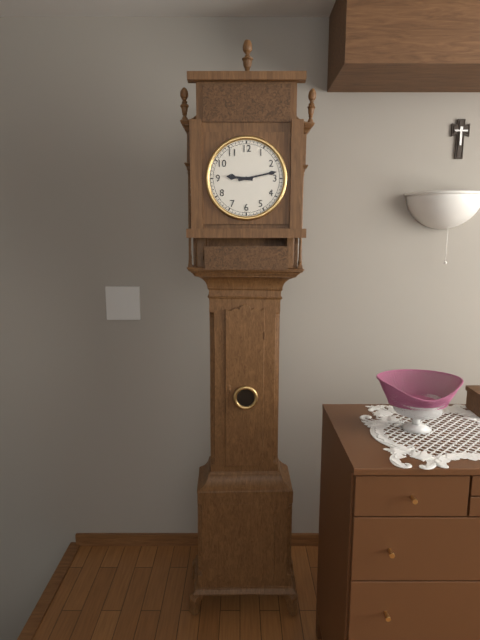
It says 9.13
